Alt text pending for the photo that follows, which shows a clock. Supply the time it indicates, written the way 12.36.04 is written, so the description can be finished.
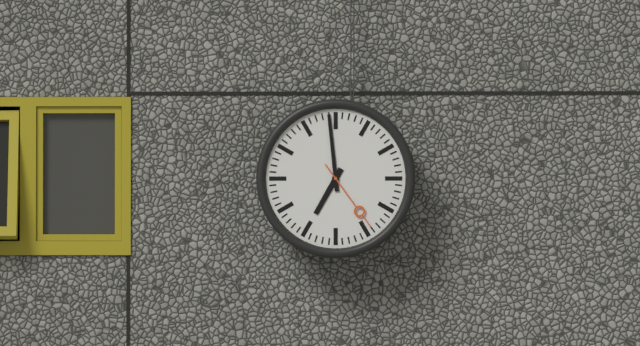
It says 6.59.24
